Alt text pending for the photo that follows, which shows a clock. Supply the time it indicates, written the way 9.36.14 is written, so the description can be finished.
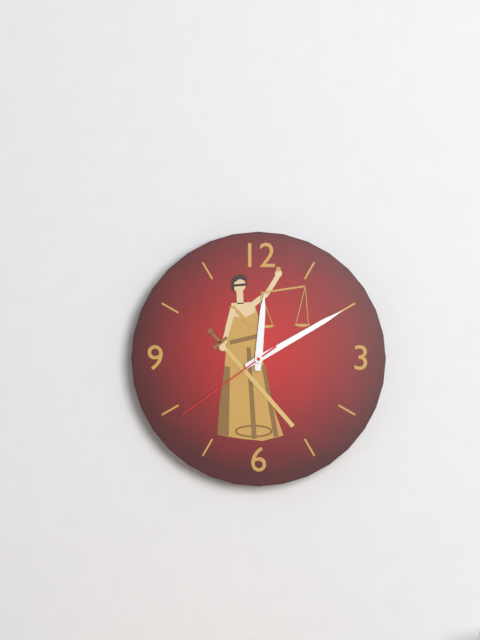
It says 12.10.39
